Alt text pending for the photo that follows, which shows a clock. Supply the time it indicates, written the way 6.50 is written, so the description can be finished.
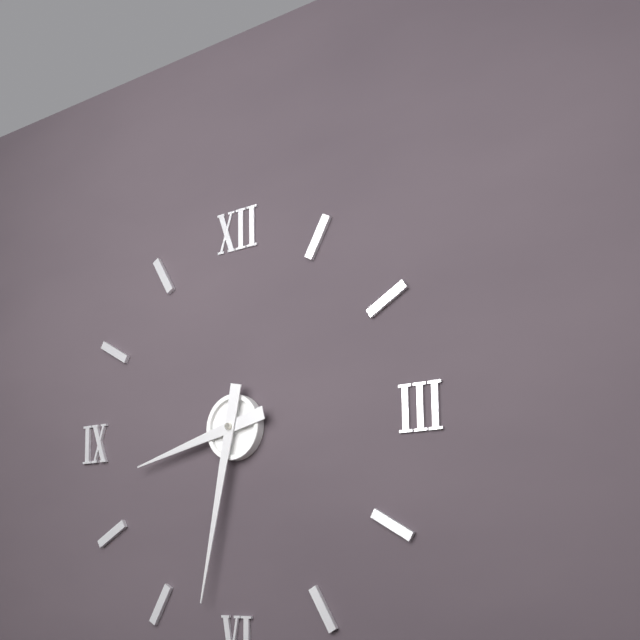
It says 8.32
